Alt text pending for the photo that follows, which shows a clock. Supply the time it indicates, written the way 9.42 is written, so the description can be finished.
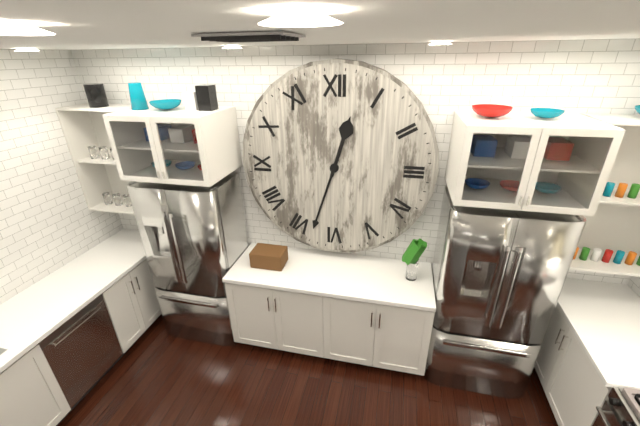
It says 12.33
